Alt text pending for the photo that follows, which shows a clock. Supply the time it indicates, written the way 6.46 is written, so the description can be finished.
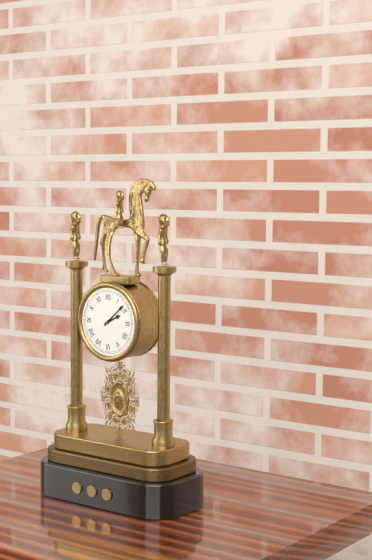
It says 2.08
